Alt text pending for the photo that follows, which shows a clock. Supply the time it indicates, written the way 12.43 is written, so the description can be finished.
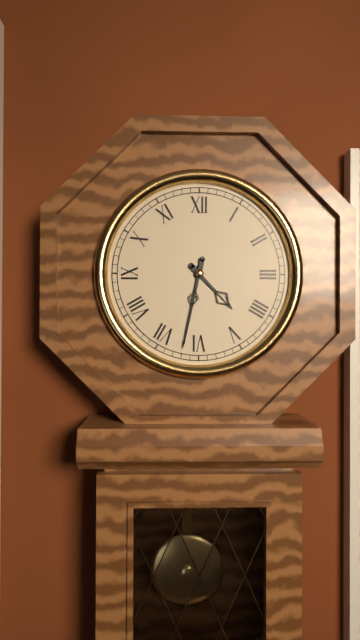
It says 4.32
